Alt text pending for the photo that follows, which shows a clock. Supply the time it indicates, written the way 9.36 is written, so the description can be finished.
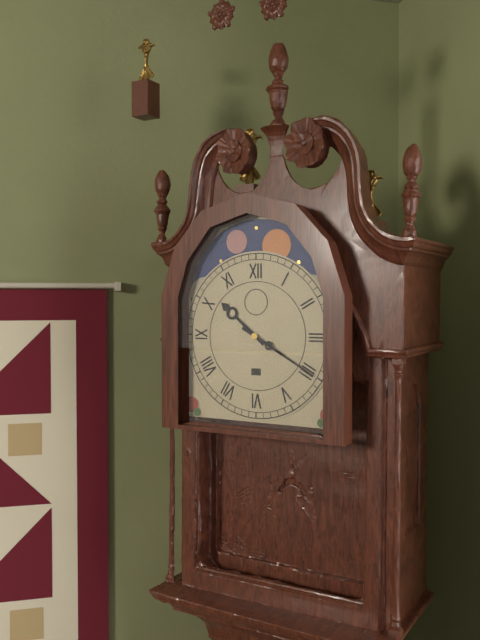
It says 10.20
